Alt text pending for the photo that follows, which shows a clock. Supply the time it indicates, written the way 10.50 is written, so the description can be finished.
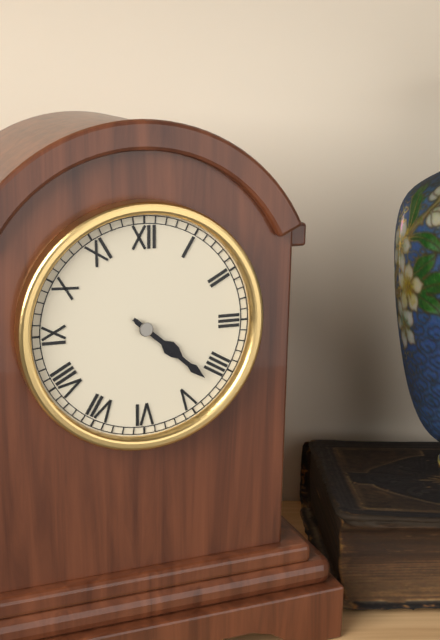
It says 4.22
